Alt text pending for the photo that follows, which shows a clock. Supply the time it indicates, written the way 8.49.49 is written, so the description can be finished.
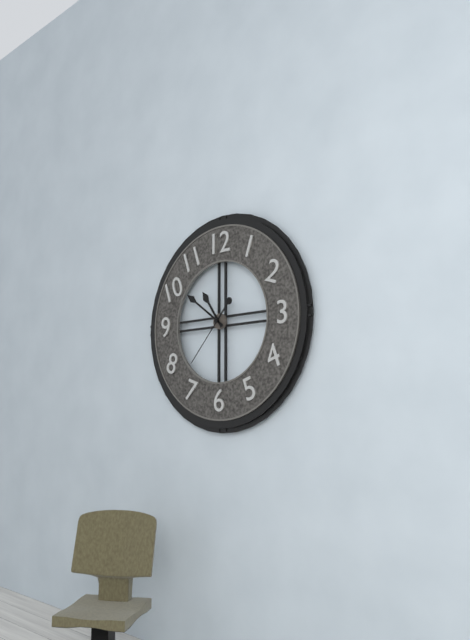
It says 10.51.37
